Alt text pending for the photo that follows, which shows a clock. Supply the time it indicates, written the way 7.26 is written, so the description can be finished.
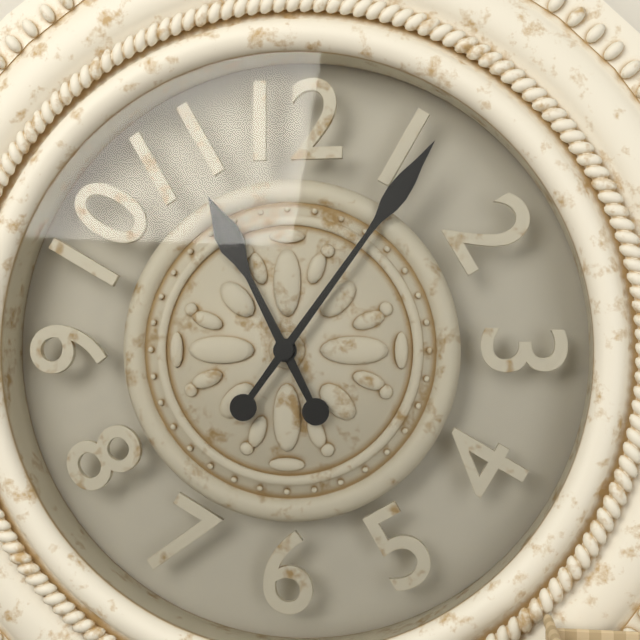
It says 11.06
